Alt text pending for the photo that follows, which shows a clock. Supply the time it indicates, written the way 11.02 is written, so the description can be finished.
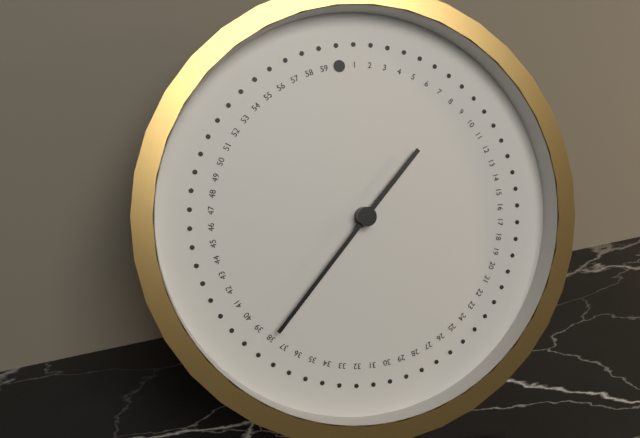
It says 1.38
